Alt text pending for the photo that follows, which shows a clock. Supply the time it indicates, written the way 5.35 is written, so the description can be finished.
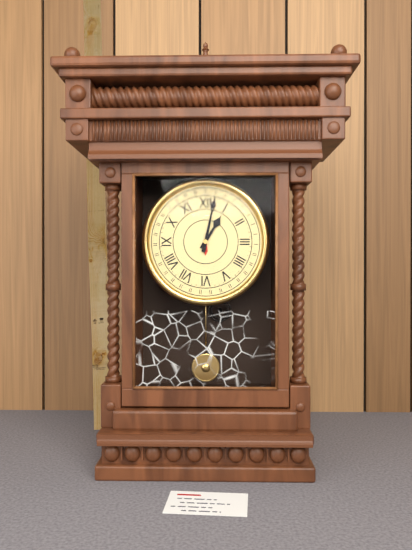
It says 1.02
